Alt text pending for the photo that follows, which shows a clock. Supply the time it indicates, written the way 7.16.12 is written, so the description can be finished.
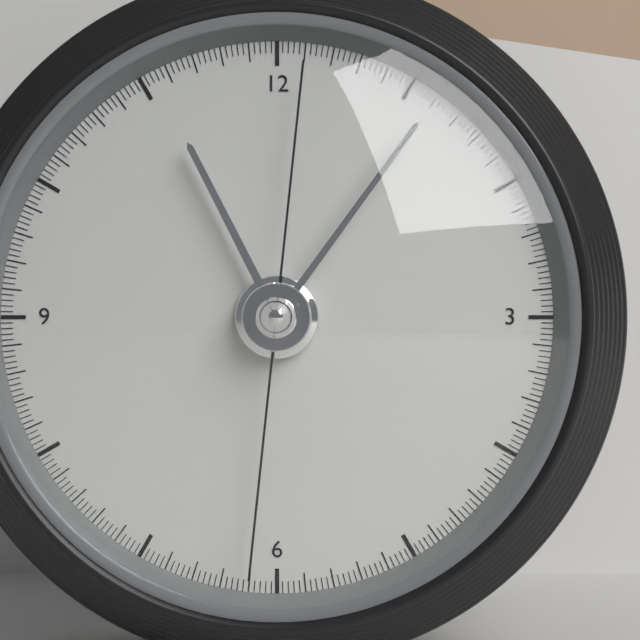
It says 11.06.01
